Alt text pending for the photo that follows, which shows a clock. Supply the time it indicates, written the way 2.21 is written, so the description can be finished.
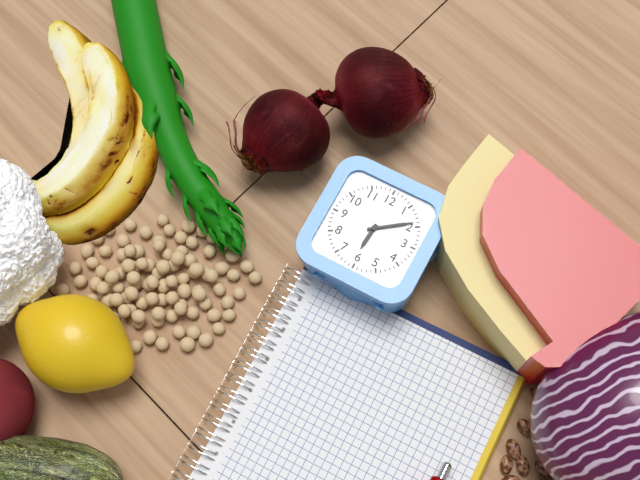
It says 6.09
